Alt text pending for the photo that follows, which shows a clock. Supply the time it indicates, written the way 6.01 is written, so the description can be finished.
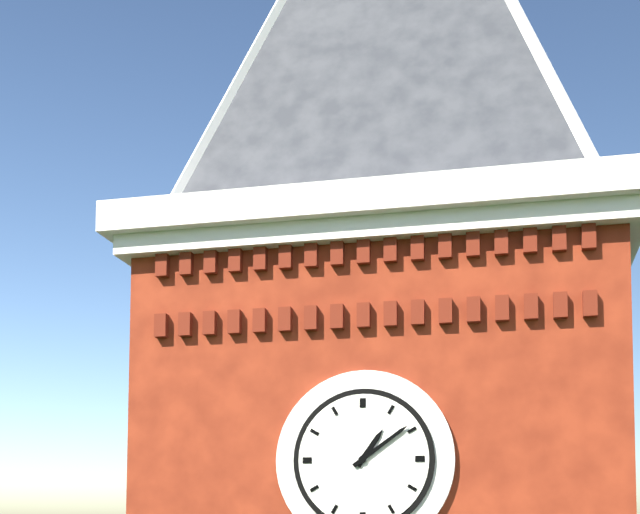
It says 1.09
